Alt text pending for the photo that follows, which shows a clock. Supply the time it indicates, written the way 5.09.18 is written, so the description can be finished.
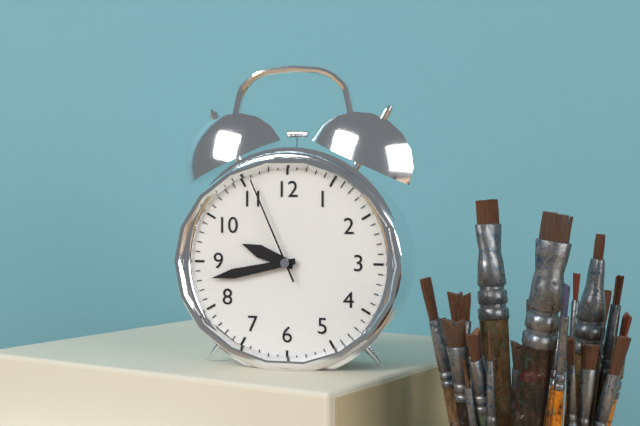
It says 9.43.56
